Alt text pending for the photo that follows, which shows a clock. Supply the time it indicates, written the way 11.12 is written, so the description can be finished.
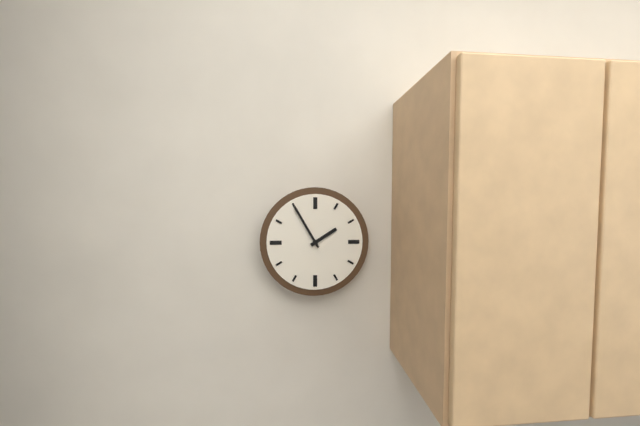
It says 1.55
